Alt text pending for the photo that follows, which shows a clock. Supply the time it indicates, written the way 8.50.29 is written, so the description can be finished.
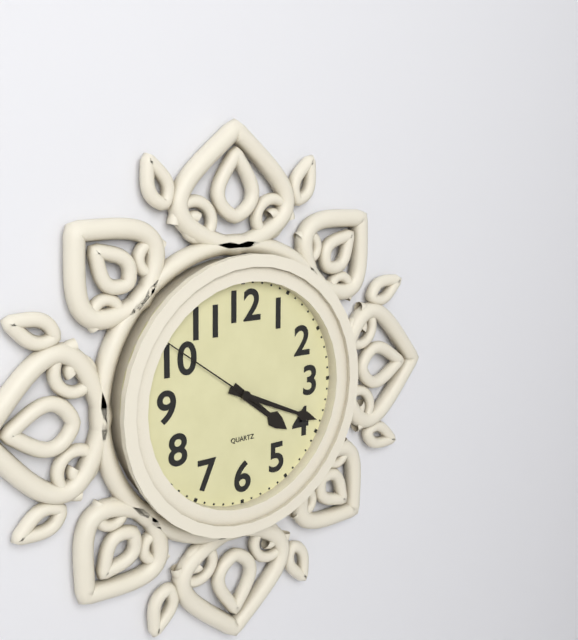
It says 4.19.51
